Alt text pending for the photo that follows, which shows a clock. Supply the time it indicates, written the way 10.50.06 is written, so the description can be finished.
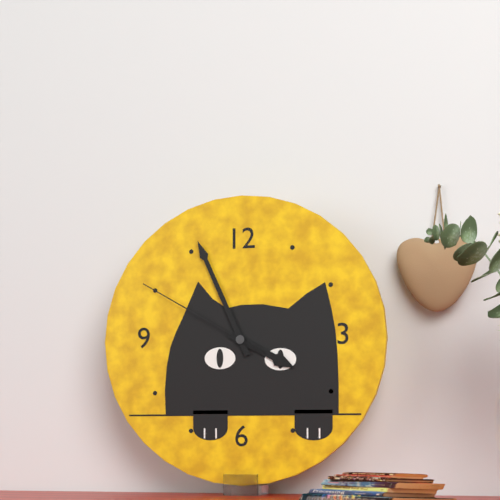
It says 3.56.50
